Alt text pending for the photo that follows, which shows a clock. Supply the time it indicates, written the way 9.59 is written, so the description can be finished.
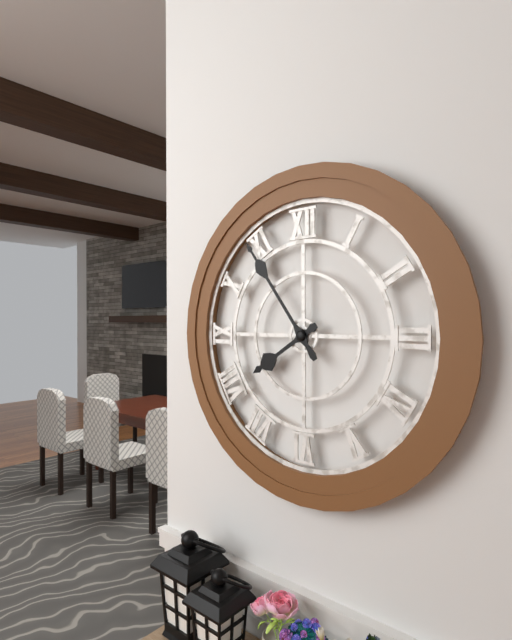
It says 7.54
